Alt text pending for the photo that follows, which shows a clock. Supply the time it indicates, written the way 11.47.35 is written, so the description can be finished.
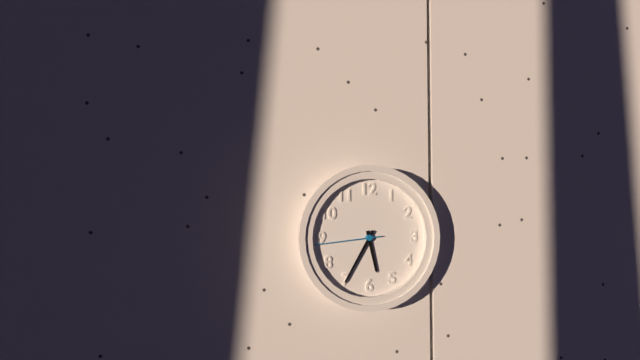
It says 5.35.44
